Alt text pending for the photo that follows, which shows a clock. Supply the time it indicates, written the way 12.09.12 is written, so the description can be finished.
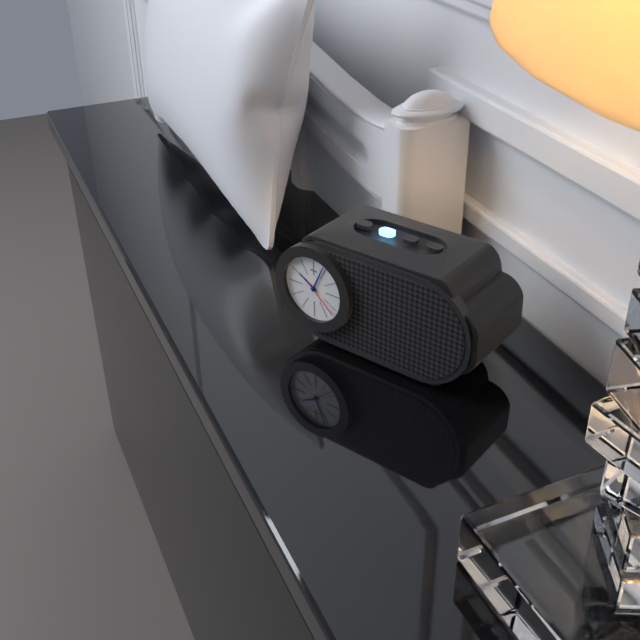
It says 10.04.22
